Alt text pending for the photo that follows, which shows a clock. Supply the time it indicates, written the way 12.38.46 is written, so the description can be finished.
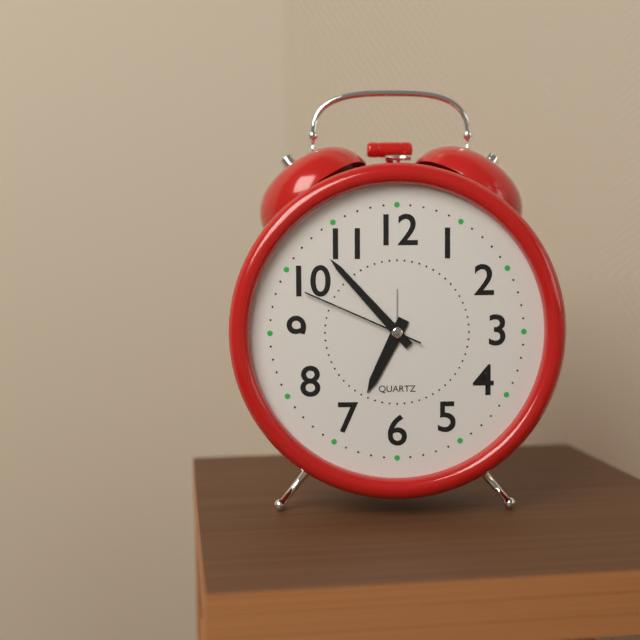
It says 6.53.49
